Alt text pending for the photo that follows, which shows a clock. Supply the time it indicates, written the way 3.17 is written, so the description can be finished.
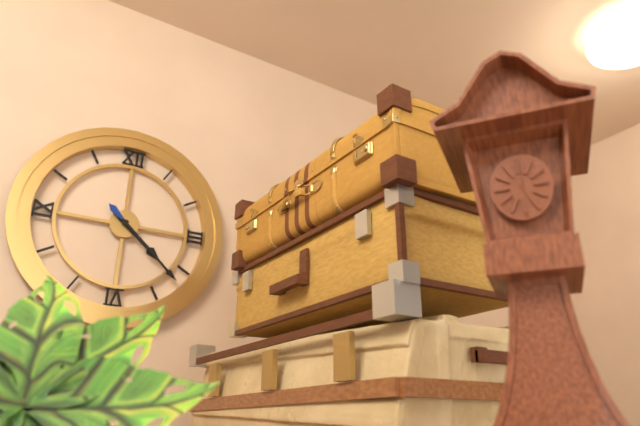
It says 4.22
